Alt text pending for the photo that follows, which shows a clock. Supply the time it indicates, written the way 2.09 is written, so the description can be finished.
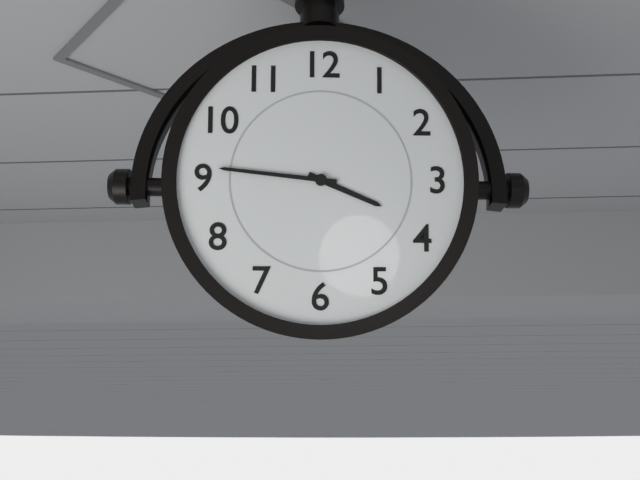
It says 3.46
